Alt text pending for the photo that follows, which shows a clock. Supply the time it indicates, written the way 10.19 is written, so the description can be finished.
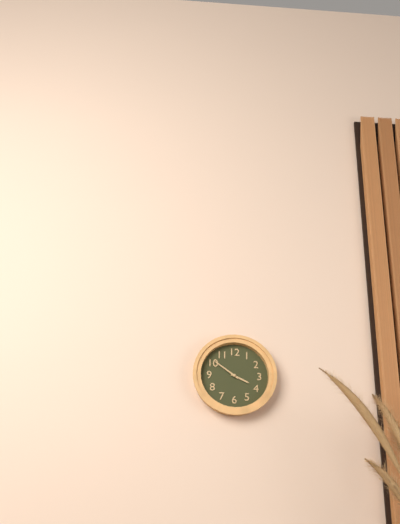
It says 3.51
